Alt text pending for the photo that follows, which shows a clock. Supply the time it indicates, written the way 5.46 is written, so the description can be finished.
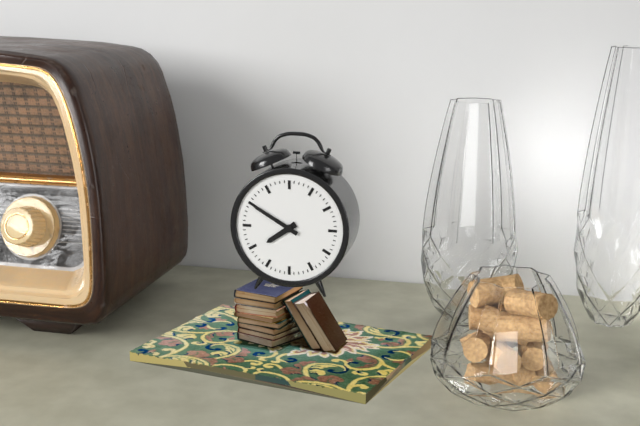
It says 7.50
